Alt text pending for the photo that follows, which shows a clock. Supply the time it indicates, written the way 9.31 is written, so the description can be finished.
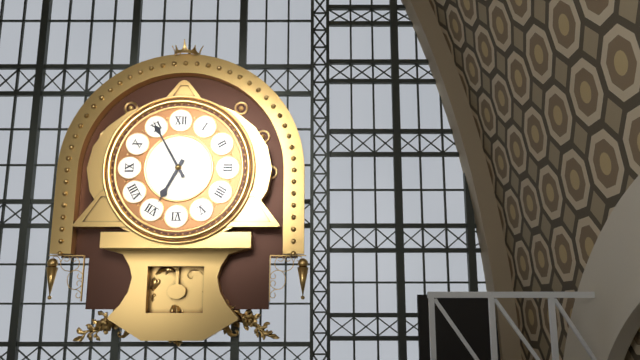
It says 6.55
